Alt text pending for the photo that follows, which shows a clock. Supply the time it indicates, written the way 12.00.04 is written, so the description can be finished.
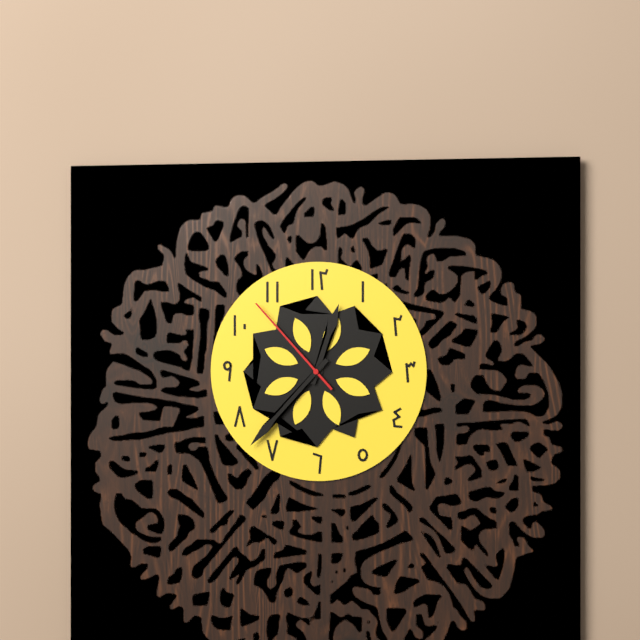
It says 12.37.53
